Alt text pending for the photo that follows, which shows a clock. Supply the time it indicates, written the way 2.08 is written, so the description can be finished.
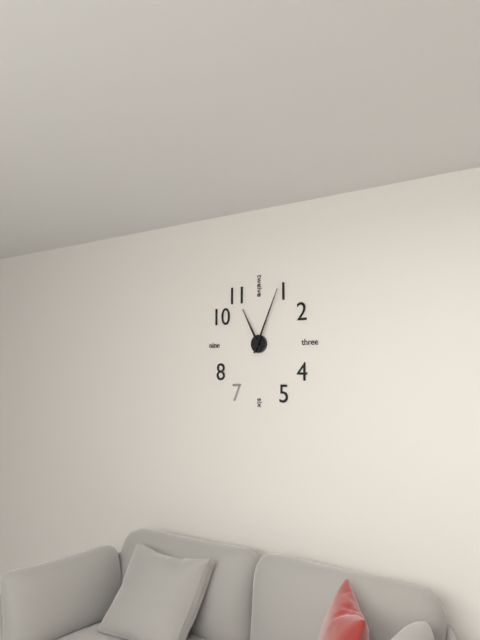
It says 11.04
